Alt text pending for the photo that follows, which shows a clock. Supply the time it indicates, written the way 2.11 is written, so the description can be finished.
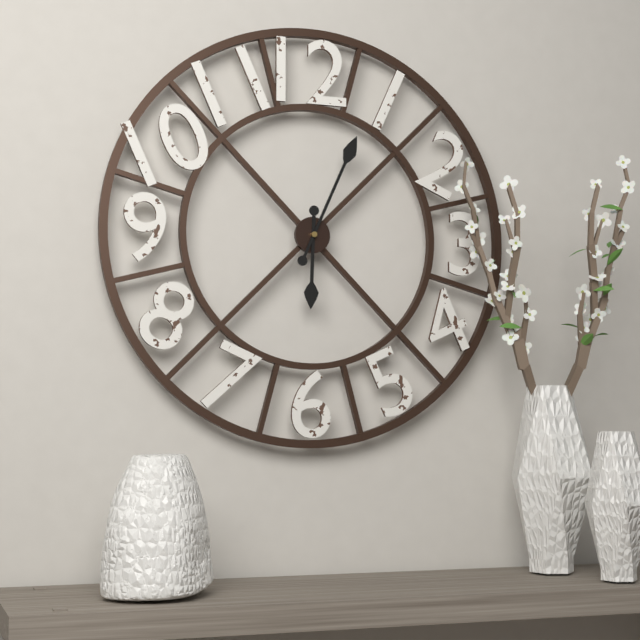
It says 6.04
